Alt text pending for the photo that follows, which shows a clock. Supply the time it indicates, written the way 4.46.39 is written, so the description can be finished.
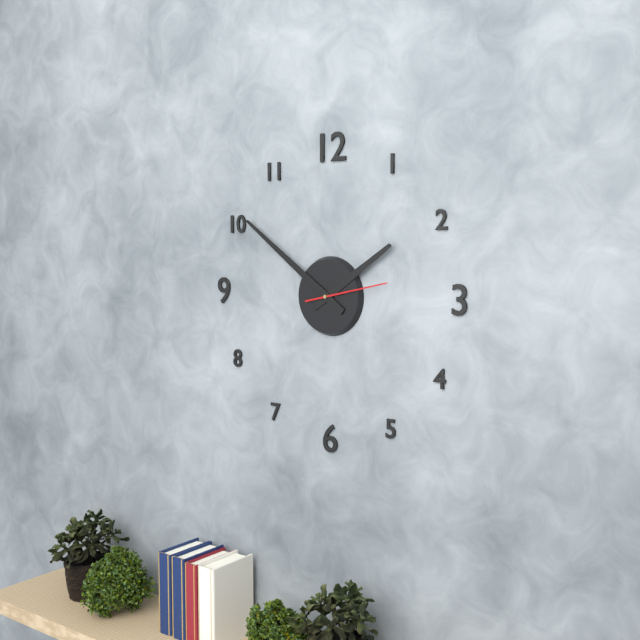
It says 1.51.13
